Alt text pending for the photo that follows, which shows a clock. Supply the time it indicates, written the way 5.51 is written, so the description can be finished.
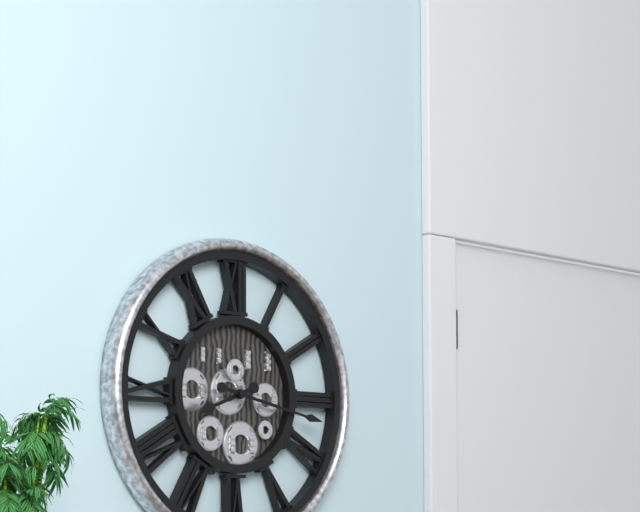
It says 8.17
